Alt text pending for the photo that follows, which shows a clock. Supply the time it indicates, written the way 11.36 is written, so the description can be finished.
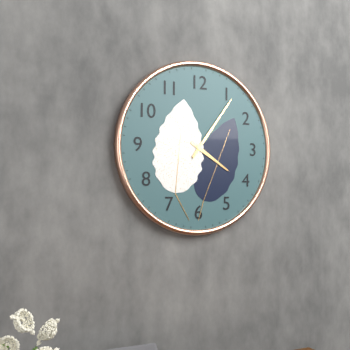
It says 4.06
